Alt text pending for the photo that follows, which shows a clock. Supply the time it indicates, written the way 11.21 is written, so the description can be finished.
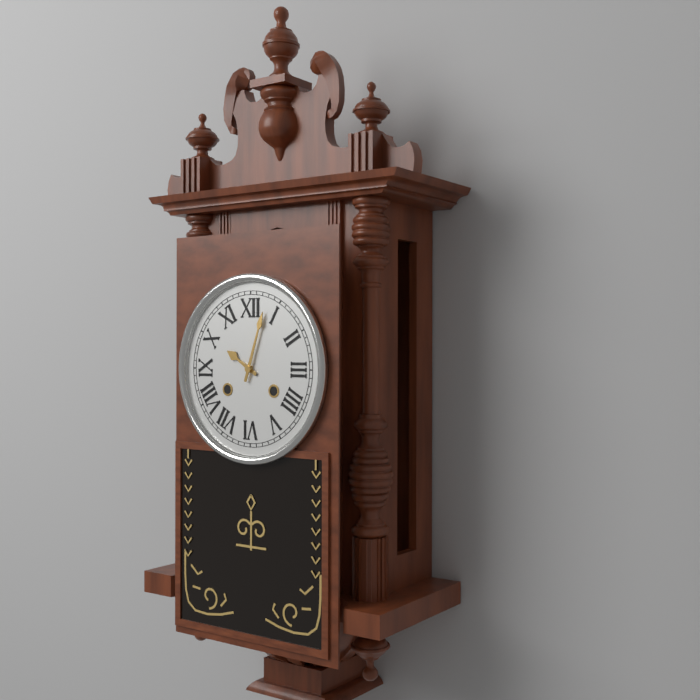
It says 10.03
